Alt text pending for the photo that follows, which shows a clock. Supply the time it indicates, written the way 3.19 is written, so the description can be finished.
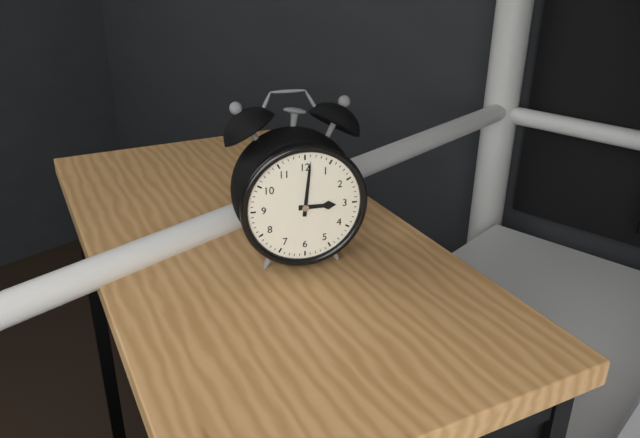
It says 3.01
